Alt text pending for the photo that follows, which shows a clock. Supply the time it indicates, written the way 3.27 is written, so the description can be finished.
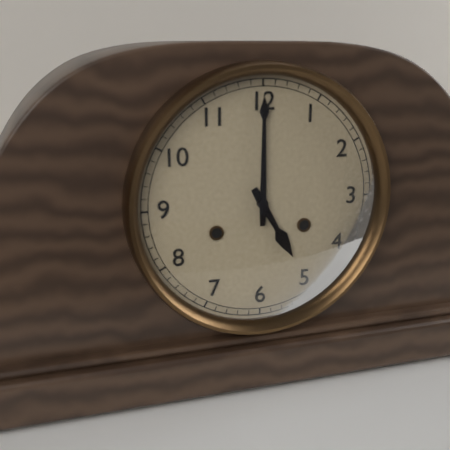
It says 5.00
